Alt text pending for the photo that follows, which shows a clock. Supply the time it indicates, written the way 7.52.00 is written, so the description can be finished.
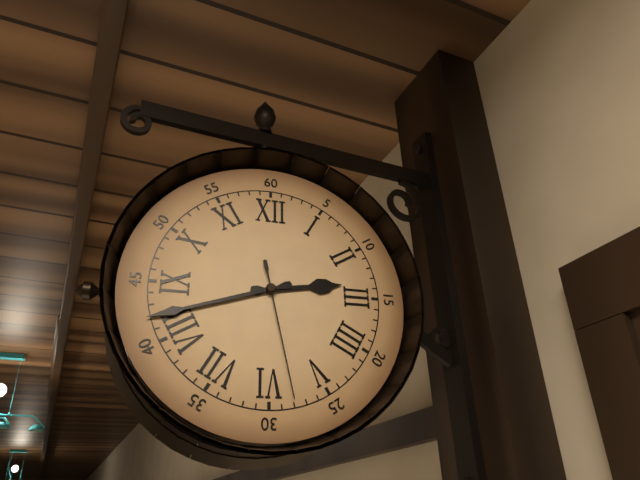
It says 2.42.28
